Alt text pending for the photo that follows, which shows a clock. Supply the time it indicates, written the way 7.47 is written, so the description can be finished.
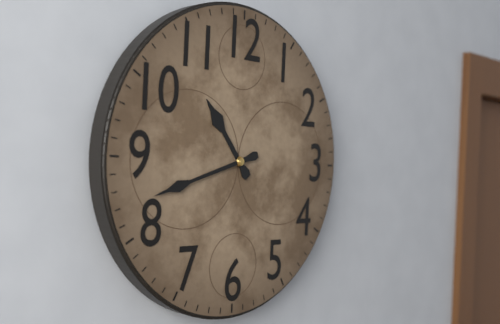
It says 10.42
